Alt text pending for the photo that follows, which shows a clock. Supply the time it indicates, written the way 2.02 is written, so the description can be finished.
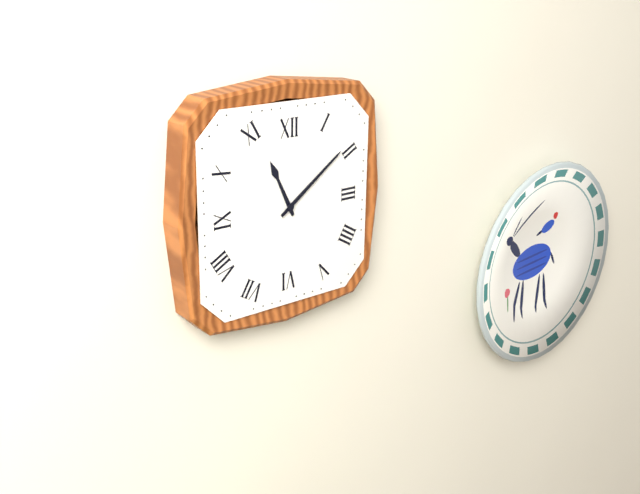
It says 11.09
